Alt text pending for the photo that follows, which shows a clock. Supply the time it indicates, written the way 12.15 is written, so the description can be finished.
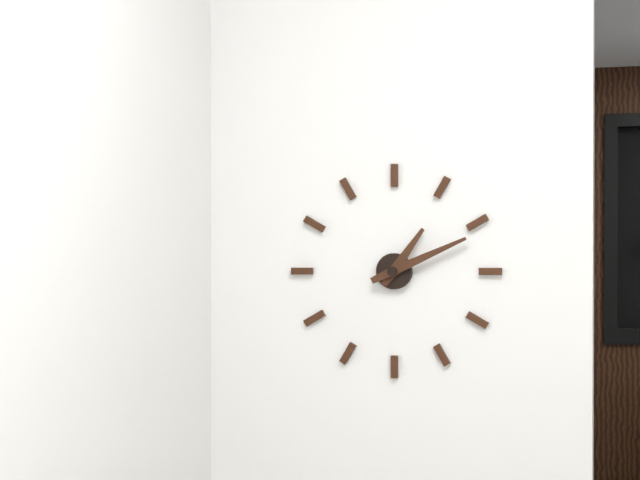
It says 1.11
